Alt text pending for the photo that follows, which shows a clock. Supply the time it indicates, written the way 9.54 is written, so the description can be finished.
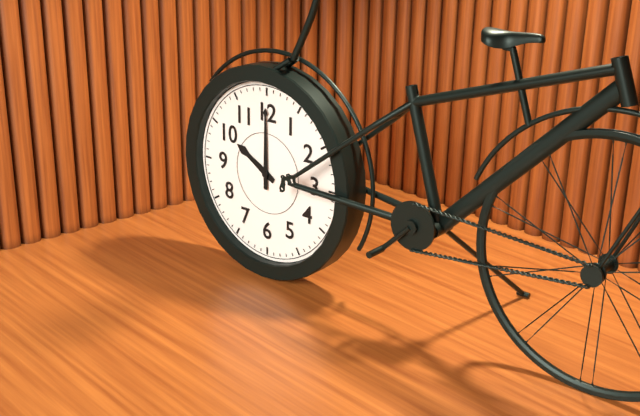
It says 10.00
